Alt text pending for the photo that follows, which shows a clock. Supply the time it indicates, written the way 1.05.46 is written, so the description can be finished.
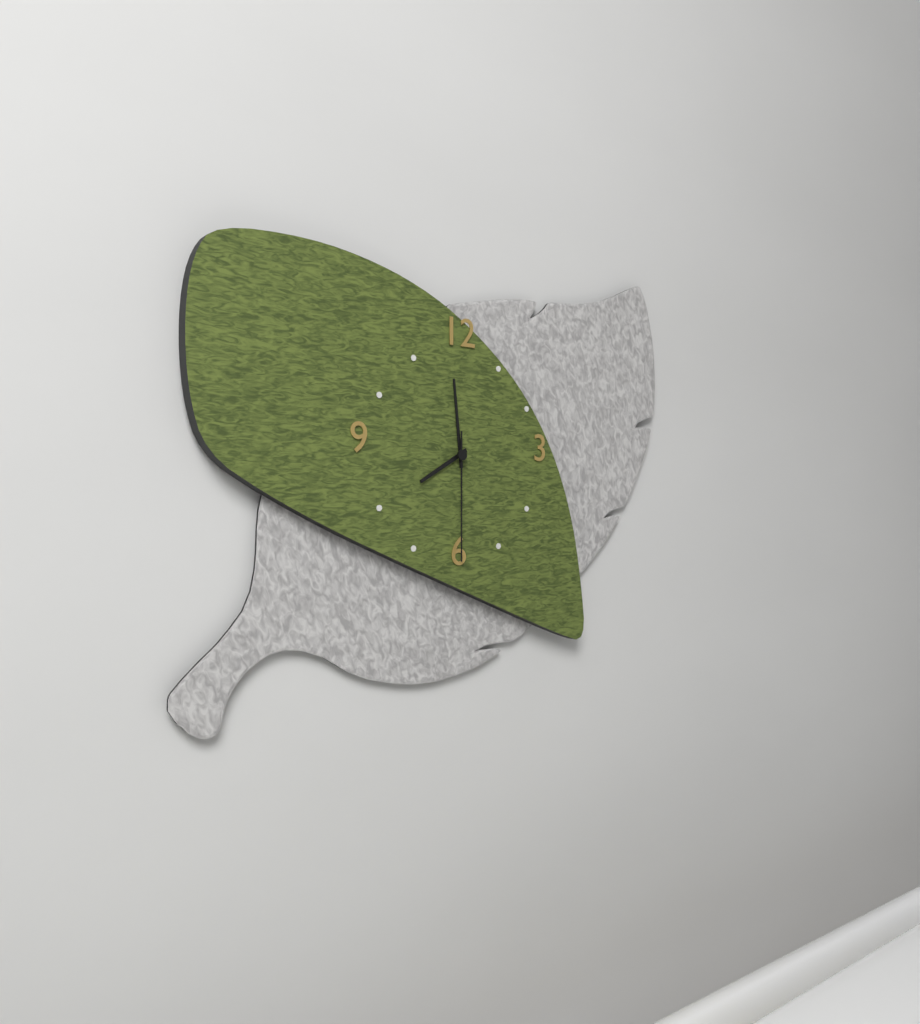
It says 7.59.30
